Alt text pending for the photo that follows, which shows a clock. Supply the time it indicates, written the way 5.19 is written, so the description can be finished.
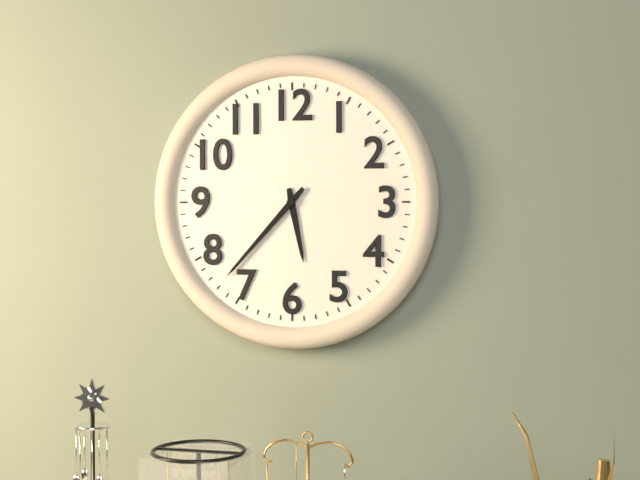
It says 5.37
